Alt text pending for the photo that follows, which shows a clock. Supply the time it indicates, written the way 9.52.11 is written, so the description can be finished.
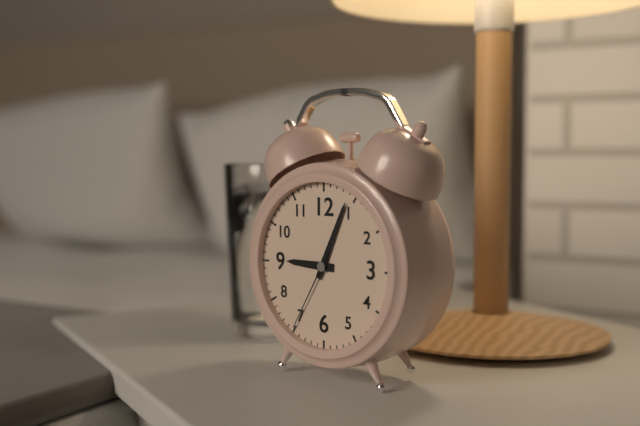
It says 9.04.35
